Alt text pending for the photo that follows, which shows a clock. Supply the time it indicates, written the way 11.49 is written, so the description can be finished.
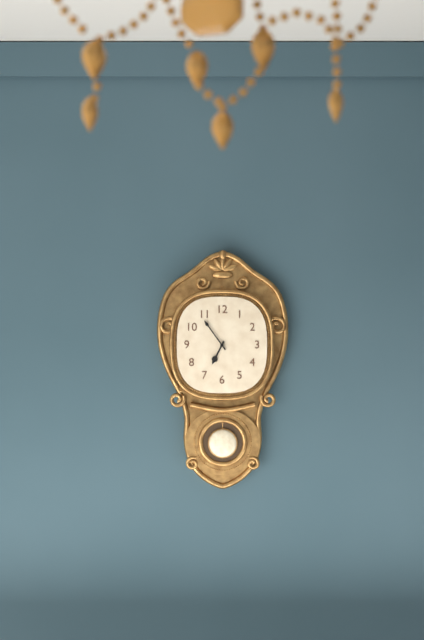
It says 6.54
